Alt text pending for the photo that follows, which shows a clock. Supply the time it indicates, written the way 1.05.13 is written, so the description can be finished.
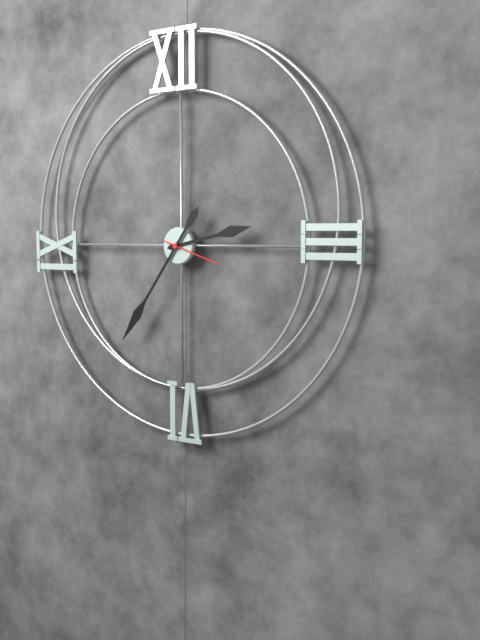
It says 2.36.18
